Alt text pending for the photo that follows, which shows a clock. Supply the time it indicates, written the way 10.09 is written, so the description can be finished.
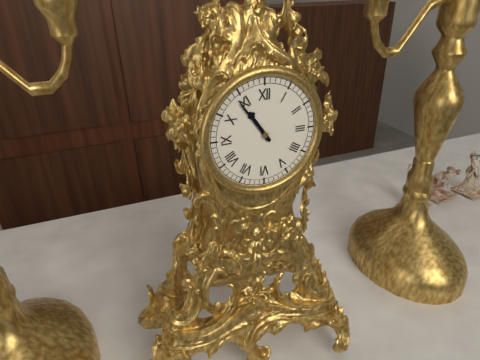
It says 10.54
